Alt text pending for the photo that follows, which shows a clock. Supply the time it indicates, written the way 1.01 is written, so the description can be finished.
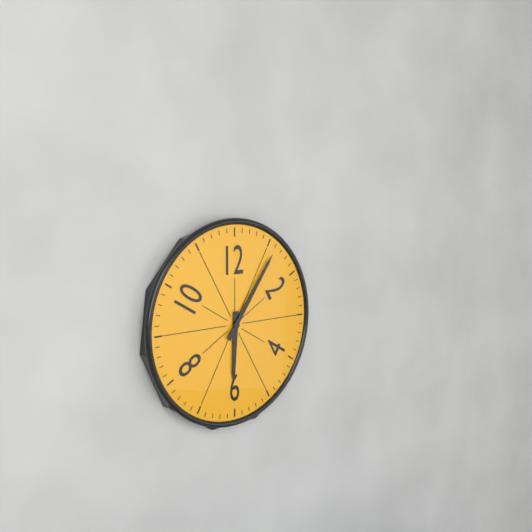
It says 6.06
